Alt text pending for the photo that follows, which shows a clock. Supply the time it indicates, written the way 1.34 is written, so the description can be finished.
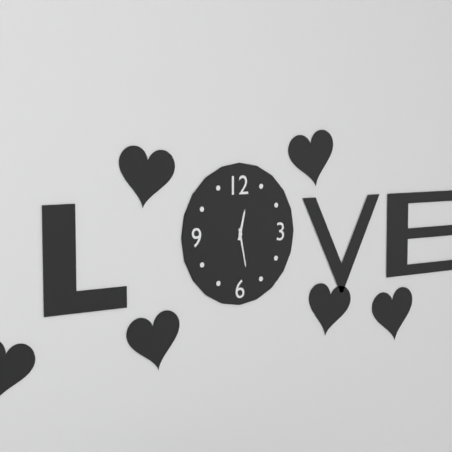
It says 12.28
